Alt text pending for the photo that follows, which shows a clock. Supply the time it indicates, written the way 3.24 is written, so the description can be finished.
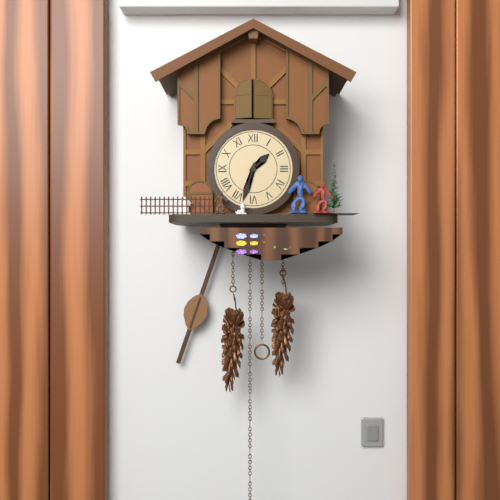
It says 1.33
